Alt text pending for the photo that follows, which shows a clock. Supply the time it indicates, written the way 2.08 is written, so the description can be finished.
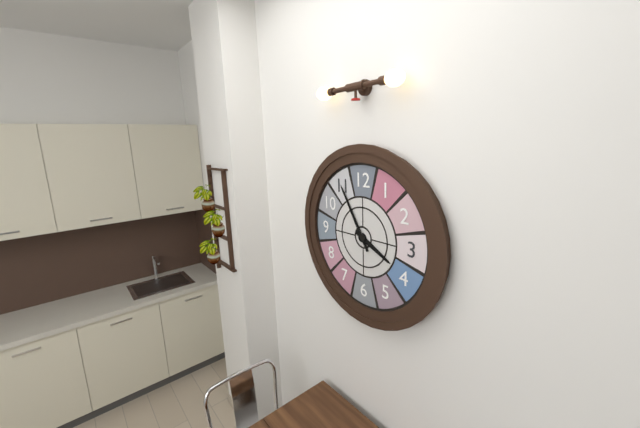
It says 3.55
